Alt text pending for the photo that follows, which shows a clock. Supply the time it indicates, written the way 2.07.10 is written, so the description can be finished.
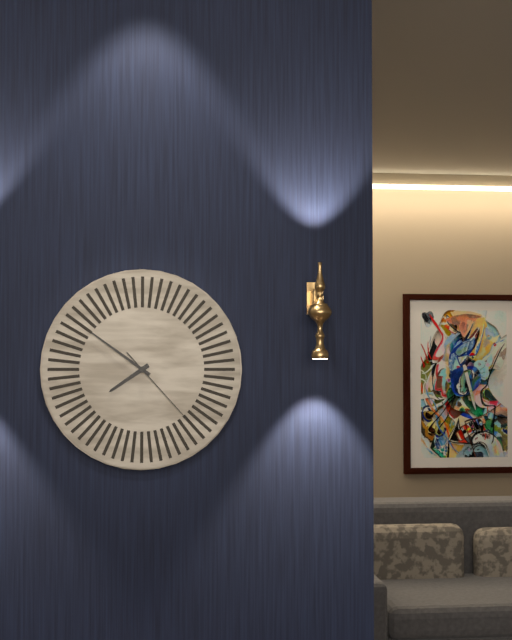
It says 7.51.23
